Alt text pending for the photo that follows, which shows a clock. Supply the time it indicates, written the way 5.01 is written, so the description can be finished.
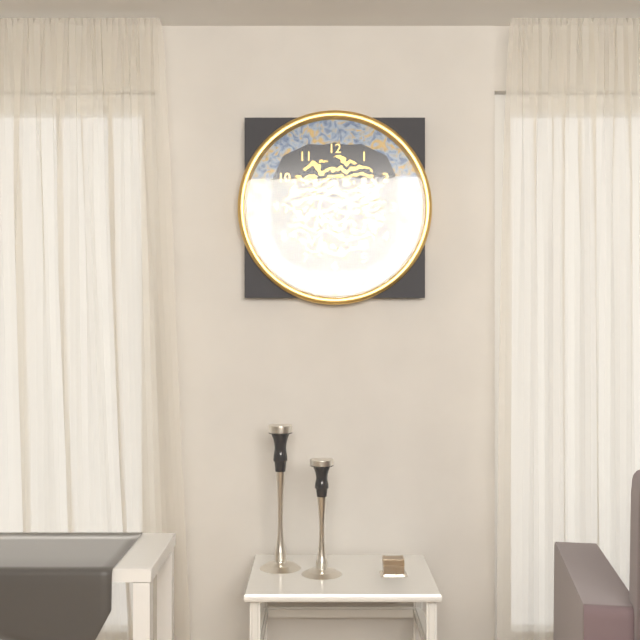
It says 2.11
